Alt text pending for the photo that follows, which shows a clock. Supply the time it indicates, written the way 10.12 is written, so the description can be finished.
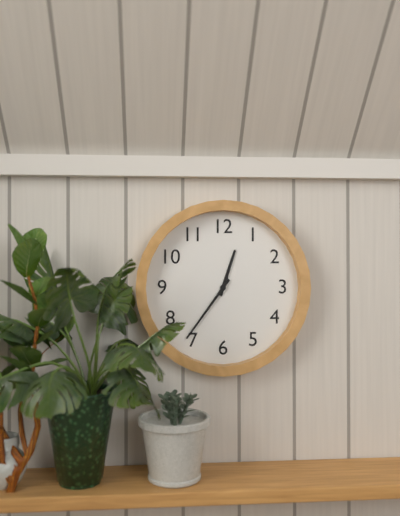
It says 12.36
